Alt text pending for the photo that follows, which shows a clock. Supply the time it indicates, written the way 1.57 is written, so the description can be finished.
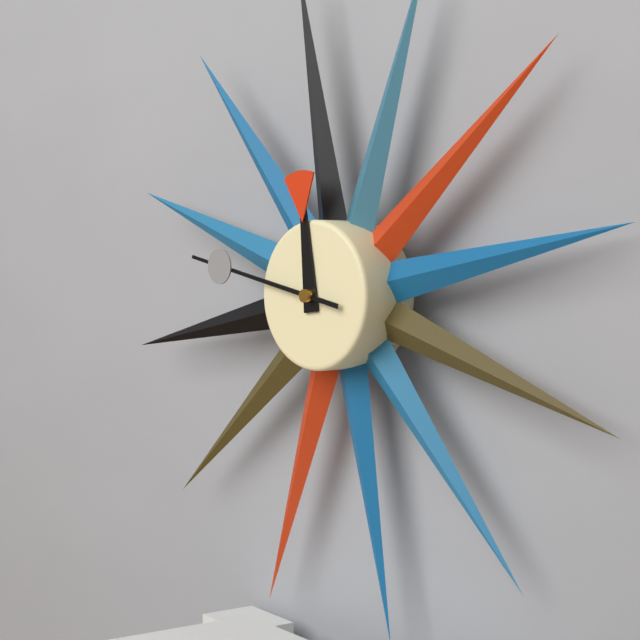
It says 11.47
